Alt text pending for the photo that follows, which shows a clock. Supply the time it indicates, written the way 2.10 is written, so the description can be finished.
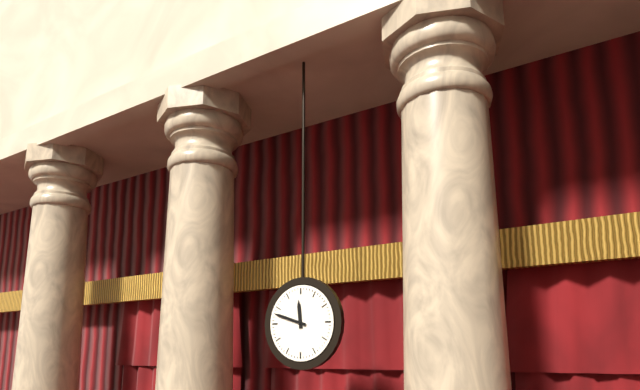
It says 11.48
